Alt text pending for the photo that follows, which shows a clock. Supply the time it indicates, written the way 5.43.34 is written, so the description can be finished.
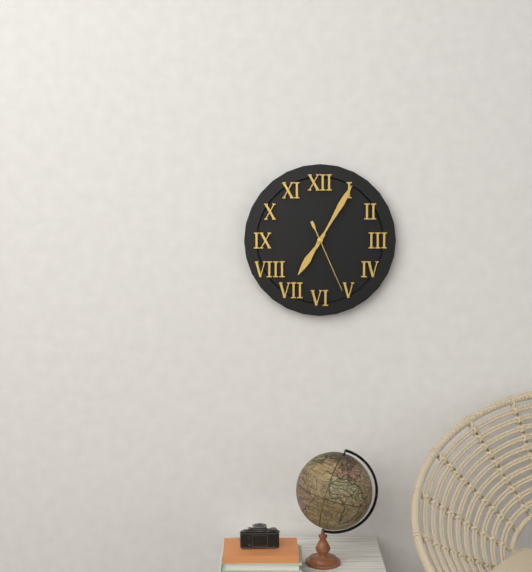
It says 7.05.26
